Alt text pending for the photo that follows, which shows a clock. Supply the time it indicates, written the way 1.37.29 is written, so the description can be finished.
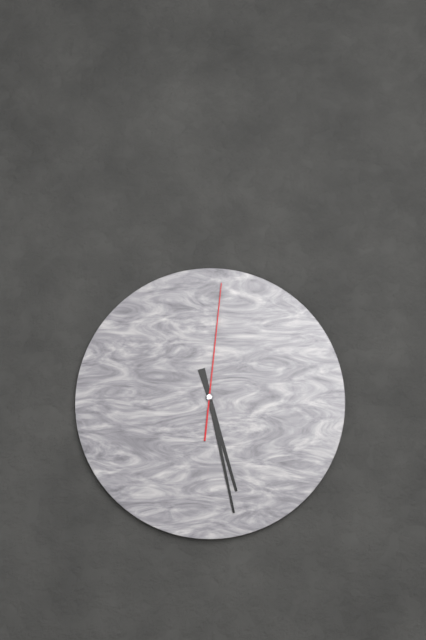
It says 5.28.01
